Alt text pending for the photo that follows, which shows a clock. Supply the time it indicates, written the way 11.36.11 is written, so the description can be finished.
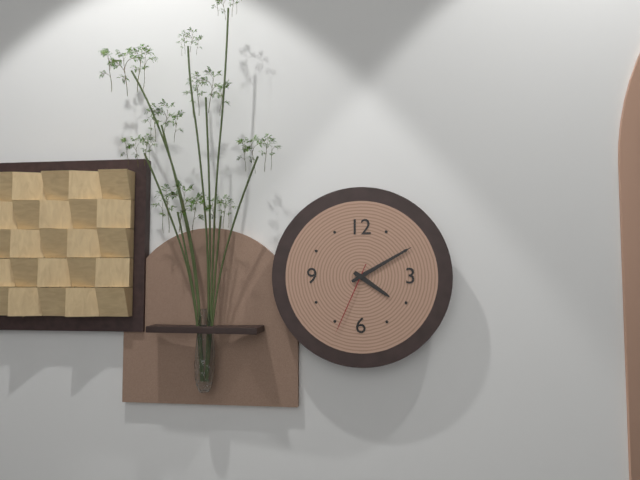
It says 4.10.34
